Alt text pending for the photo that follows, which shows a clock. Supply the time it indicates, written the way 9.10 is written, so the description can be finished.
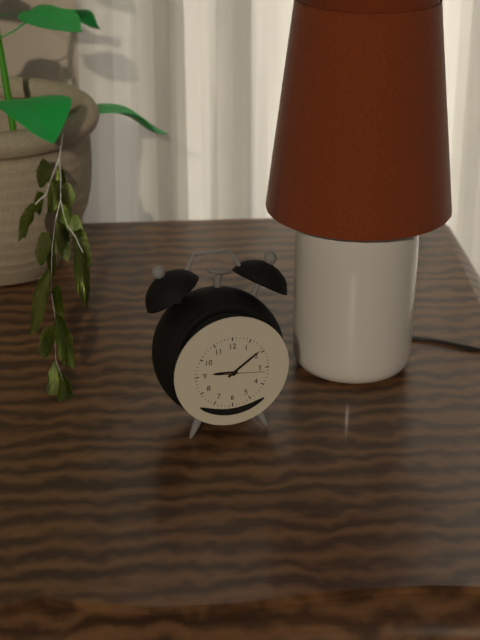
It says 9.09
